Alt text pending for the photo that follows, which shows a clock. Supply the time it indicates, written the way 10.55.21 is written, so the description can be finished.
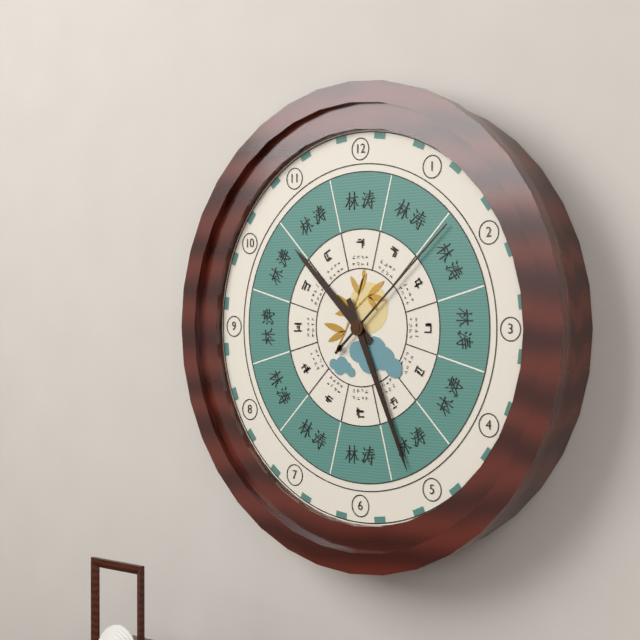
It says 10.26.08
